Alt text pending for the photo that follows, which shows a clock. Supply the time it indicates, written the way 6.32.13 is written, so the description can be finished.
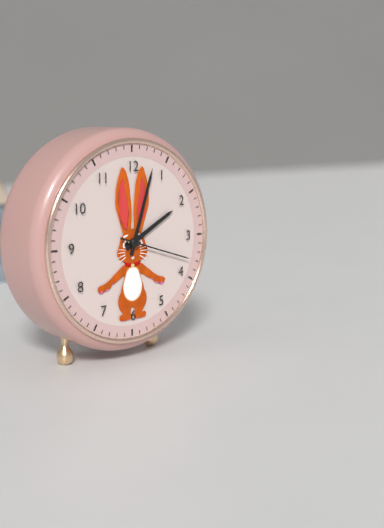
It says 2.03.18
